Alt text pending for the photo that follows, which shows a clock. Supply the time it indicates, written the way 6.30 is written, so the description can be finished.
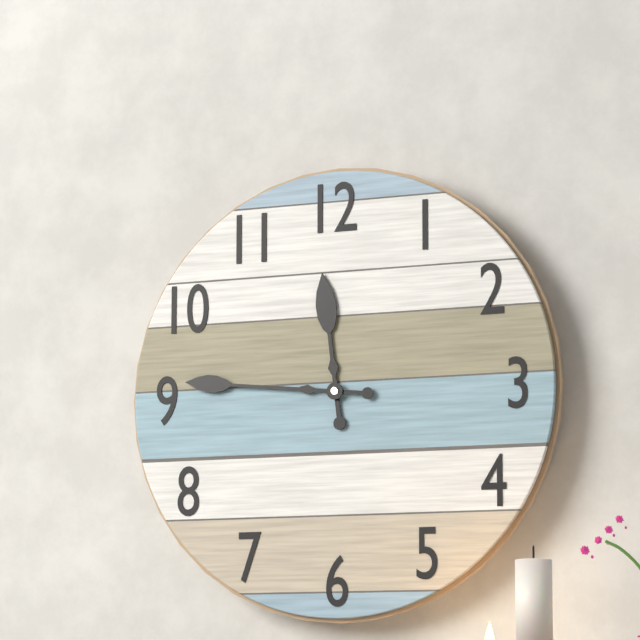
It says 11.46
